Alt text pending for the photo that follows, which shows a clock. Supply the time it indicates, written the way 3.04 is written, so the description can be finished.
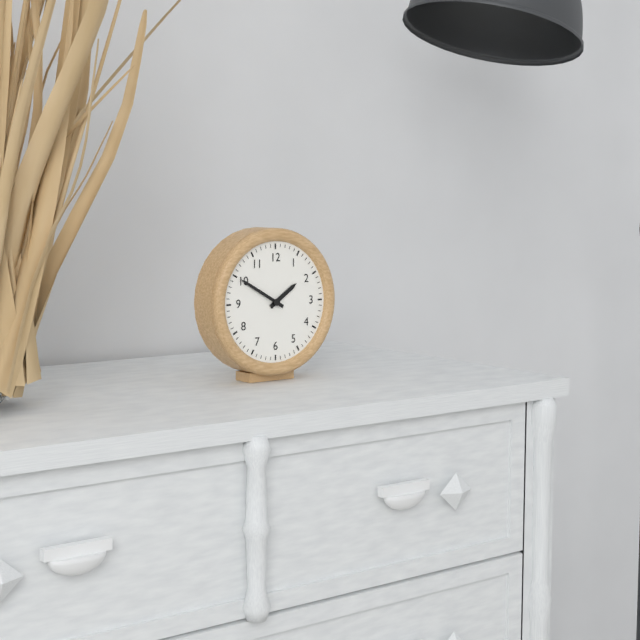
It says 1.50
